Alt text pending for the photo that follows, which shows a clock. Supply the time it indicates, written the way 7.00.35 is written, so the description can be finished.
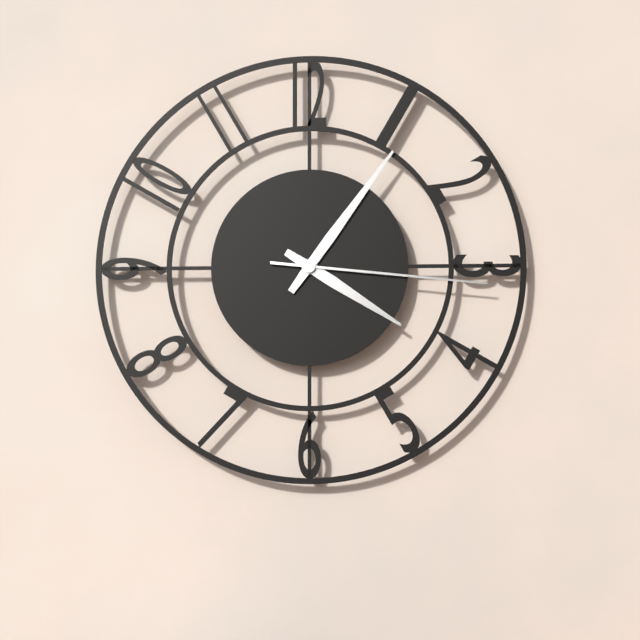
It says 4.06.16
